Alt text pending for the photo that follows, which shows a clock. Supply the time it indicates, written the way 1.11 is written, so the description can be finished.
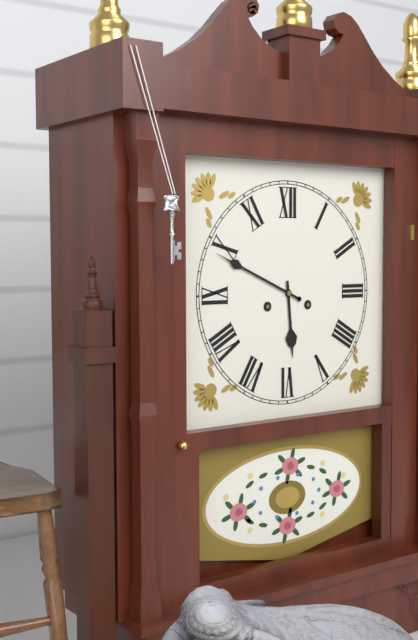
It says 5.49
